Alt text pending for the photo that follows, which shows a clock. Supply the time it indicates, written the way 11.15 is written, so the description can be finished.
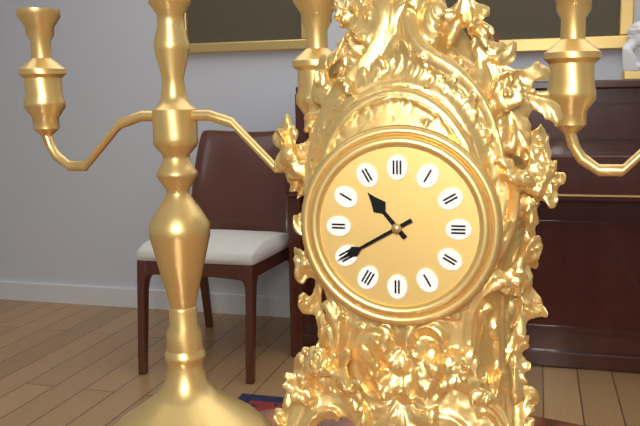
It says 10.40
